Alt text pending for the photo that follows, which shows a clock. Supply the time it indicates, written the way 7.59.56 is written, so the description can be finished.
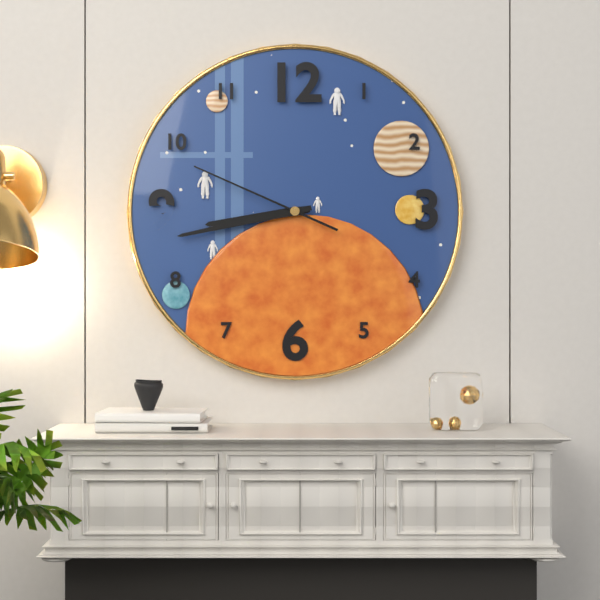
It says 8.43.49
